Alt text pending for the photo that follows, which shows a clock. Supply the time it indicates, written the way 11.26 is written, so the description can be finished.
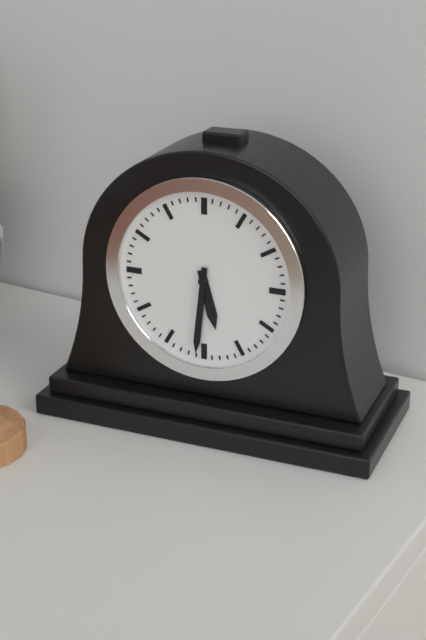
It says 5.31
